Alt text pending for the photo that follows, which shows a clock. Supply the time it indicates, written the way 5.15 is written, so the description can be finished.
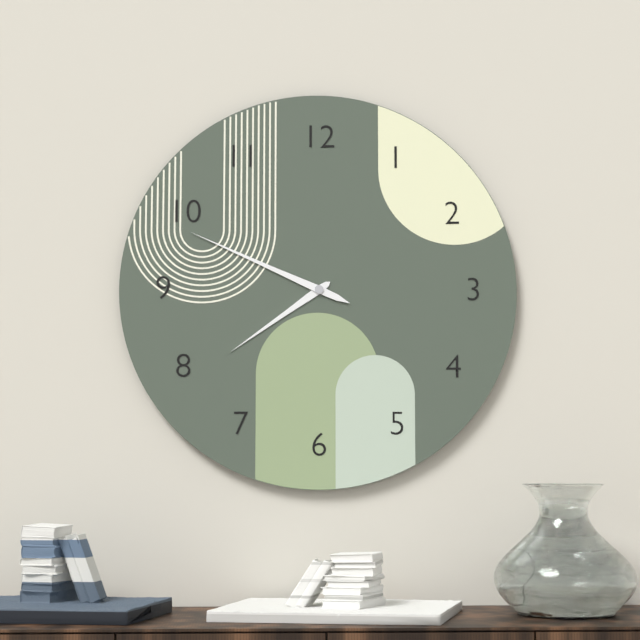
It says 7.49
